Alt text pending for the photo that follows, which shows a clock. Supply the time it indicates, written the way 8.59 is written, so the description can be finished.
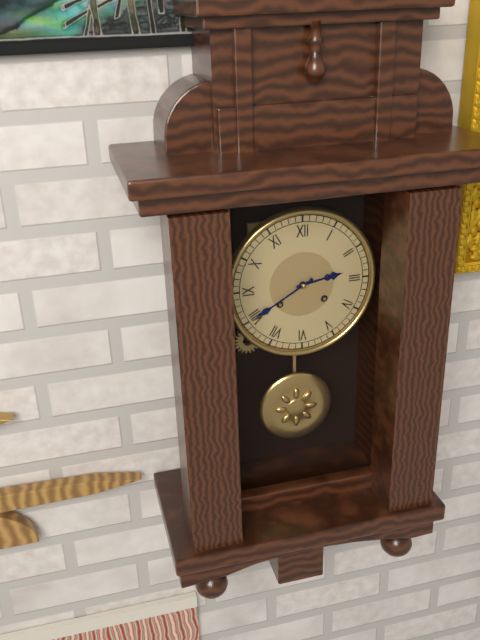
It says 2.40
